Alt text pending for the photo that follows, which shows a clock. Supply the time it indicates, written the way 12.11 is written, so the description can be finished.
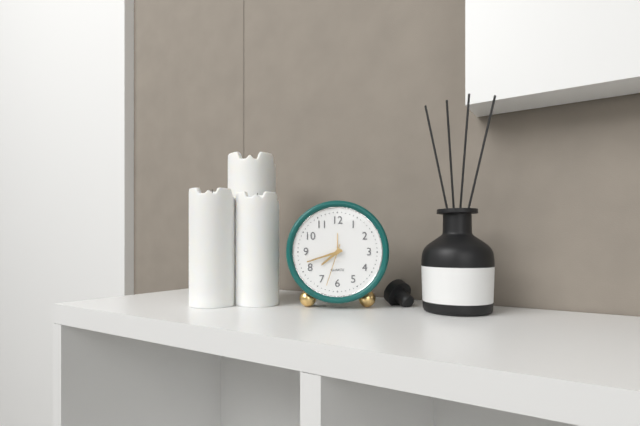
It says 7.42
